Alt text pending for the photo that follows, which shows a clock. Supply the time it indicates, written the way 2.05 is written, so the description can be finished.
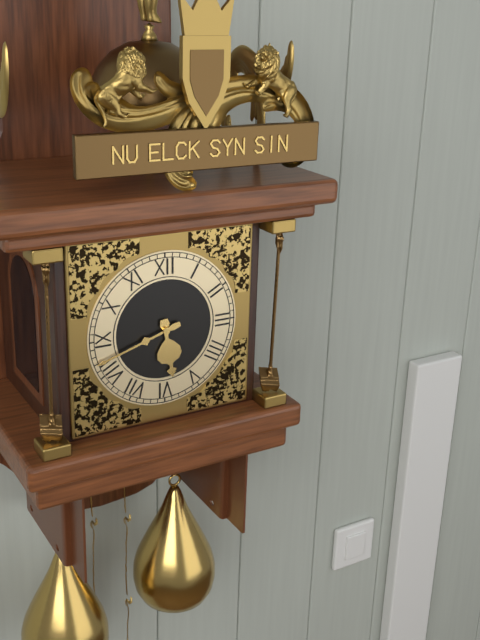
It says 5.42
